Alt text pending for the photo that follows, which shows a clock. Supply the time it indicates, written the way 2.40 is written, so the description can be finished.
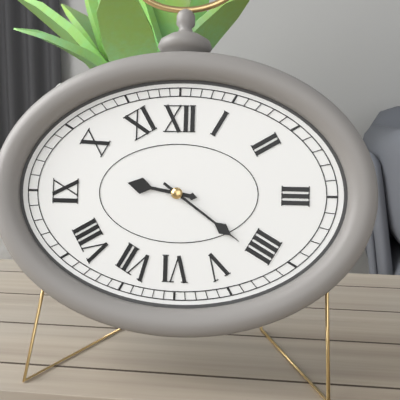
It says 9.21
